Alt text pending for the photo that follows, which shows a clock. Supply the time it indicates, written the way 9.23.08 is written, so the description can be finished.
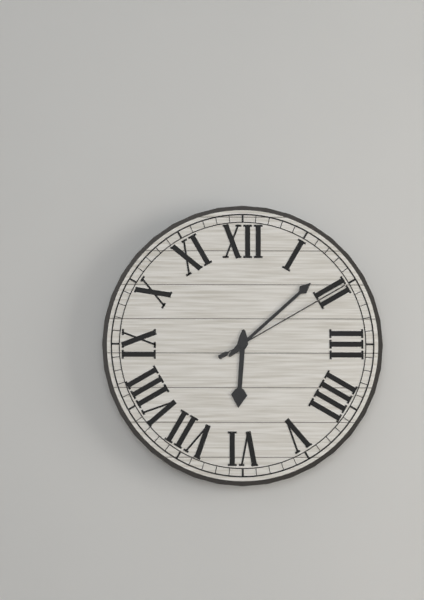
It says 6.08.10
